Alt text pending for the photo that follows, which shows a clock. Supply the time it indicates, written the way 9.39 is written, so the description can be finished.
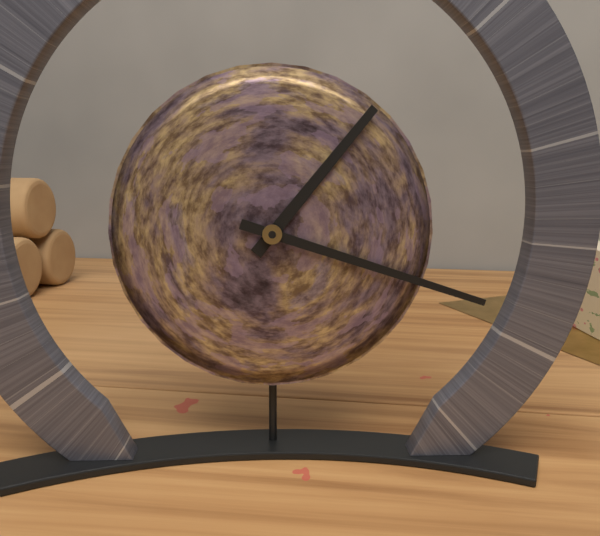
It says 1.18
